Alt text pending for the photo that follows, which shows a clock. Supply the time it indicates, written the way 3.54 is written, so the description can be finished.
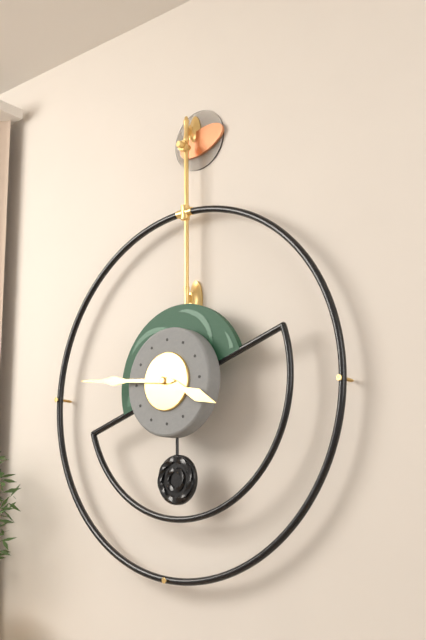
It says 3.46
